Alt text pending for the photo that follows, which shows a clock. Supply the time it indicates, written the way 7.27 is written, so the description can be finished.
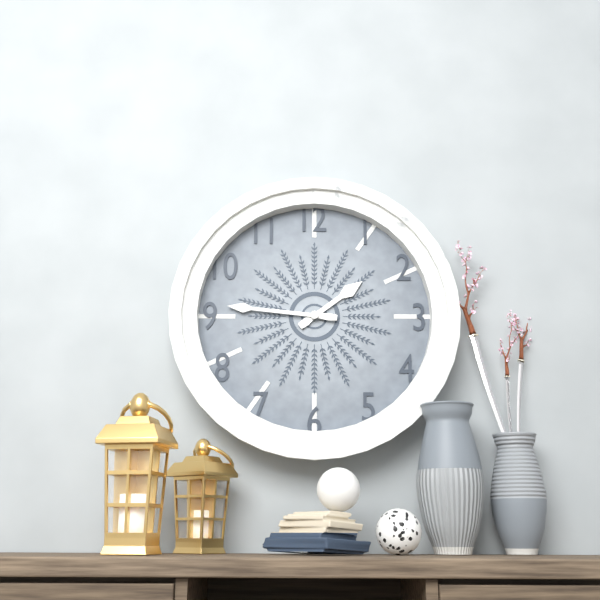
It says 1.46
